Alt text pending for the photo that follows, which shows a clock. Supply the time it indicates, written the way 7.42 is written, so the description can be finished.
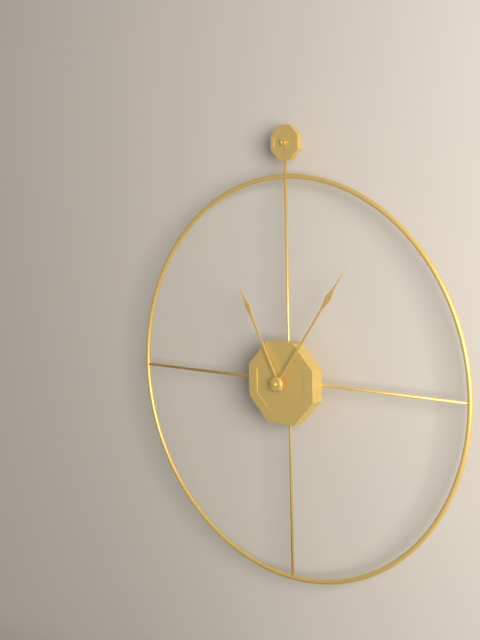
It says 11.06
